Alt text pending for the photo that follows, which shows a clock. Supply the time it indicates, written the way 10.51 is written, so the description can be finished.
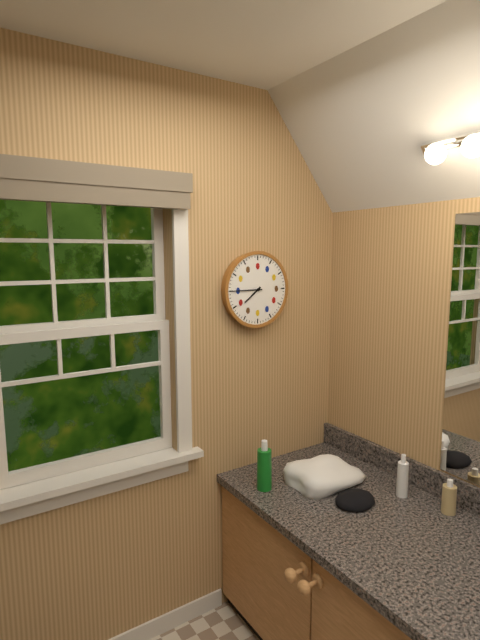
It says 7.45
